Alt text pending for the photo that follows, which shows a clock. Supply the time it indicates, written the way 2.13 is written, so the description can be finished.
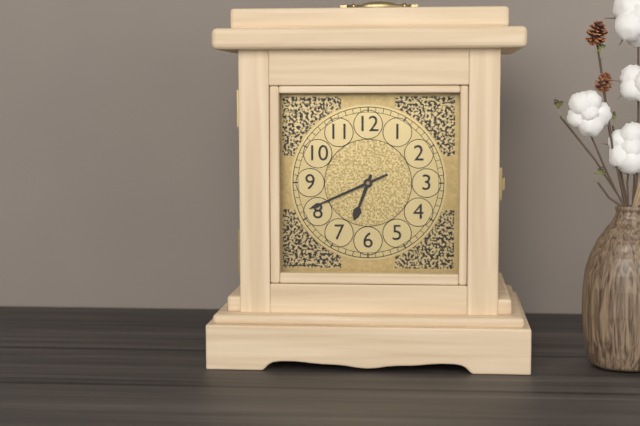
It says 6.41
